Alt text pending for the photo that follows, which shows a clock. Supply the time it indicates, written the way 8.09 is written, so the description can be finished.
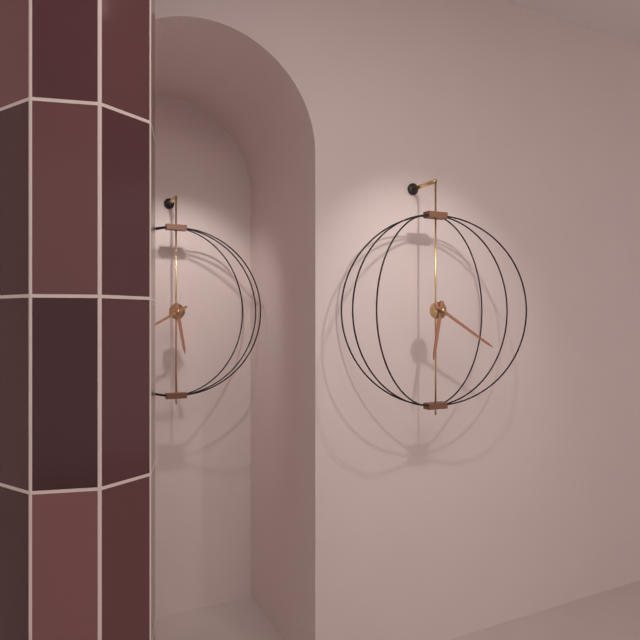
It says 6.20
